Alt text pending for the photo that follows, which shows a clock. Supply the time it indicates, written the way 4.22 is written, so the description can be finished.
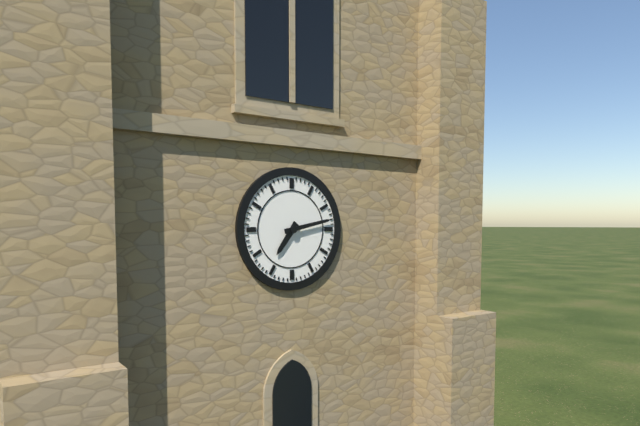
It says 7.13
